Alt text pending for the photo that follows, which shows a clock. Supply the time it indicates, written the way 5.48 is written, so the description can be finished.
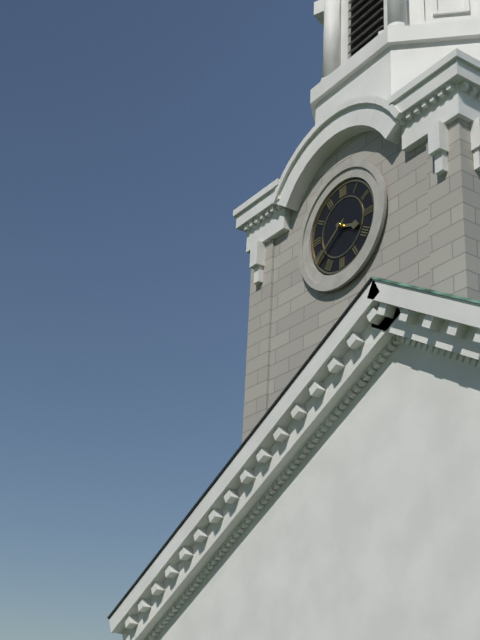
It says 3.39
